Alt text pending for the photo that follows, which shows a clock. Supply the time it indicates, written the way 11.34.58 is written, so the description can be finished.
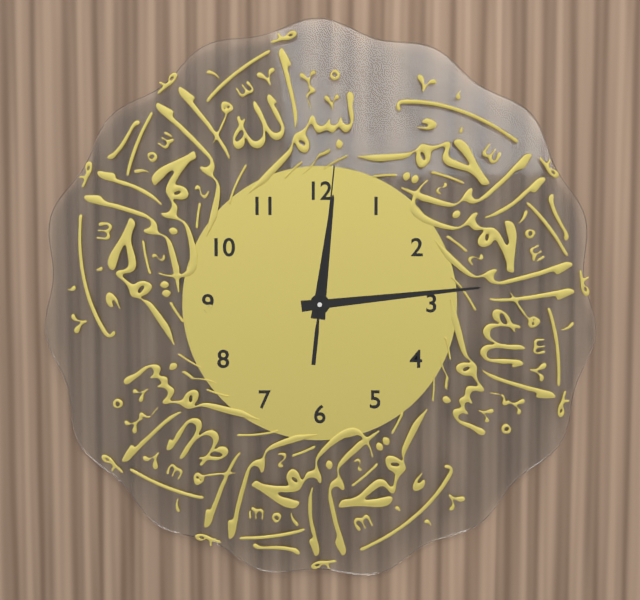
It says 12.14.01
